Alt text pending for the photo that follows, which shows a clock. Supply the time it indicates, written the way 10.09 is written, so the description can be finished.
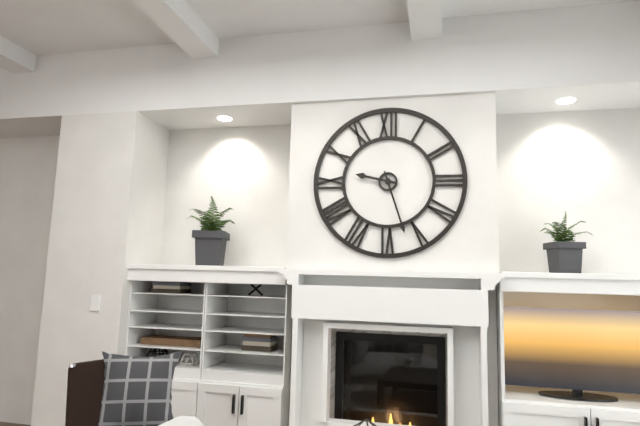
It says 9.27
